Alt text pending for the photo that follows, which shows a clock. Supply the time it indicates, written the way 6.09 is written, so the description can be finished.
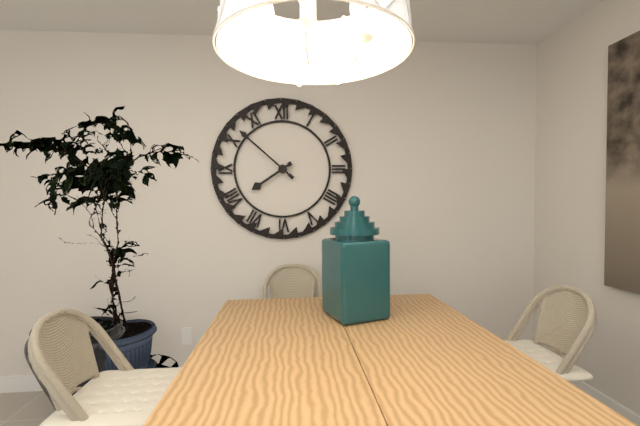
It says 7.52
